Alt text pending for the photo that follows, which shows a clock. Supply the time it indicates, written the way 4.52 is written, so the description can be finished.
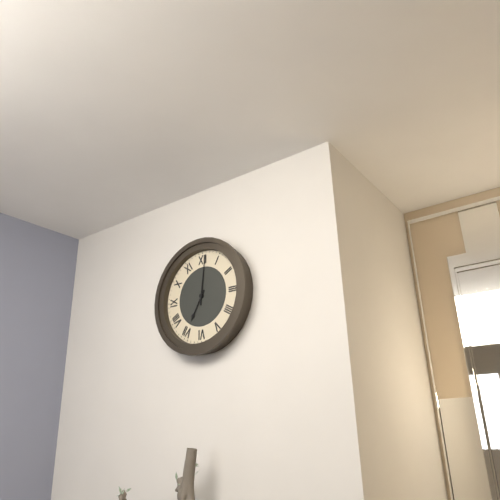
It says 7.01
